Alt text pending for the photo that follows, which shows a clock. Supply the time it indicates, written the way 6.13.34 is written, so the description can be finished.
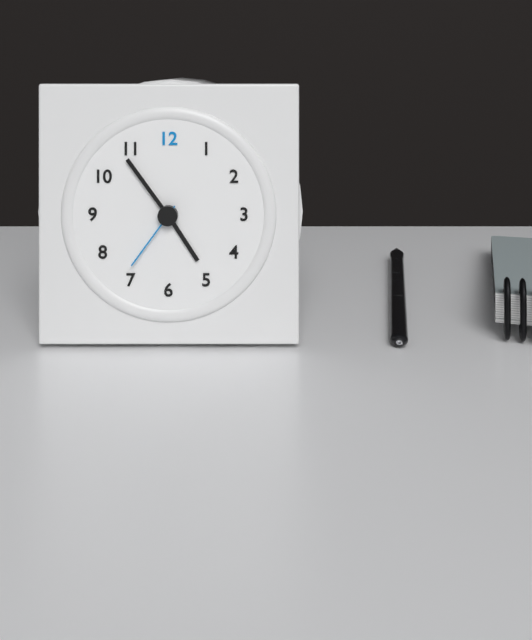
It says 4.54.36
